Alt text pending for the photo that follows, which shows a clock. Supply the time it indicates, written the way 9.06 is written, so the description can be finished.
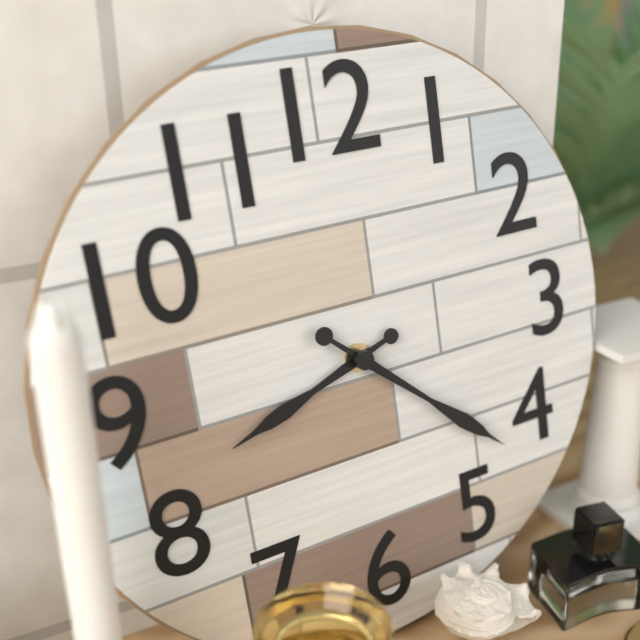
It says 8.22
